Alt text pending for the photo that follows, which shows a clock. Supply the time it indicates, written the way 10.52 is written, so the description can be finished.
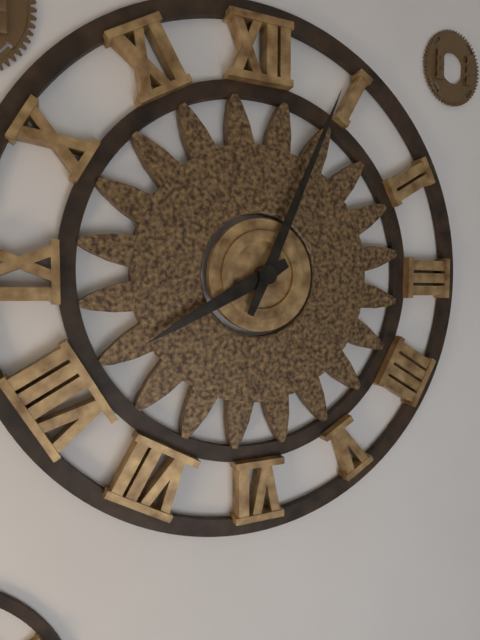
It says 8.04
